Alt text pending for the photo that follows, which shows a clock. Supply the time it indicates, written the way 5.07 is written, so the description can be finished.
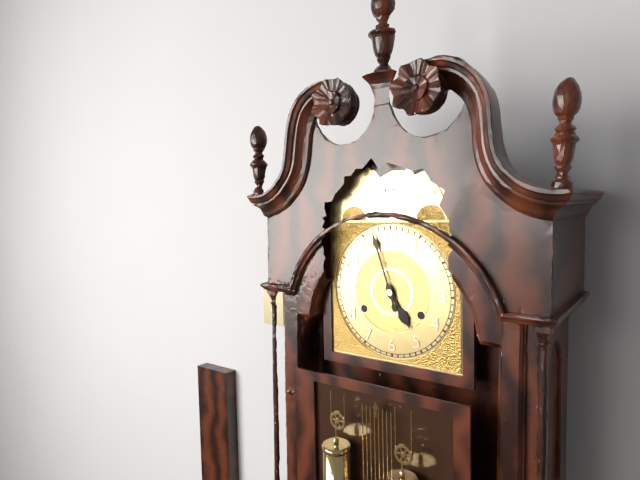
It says 4.57
